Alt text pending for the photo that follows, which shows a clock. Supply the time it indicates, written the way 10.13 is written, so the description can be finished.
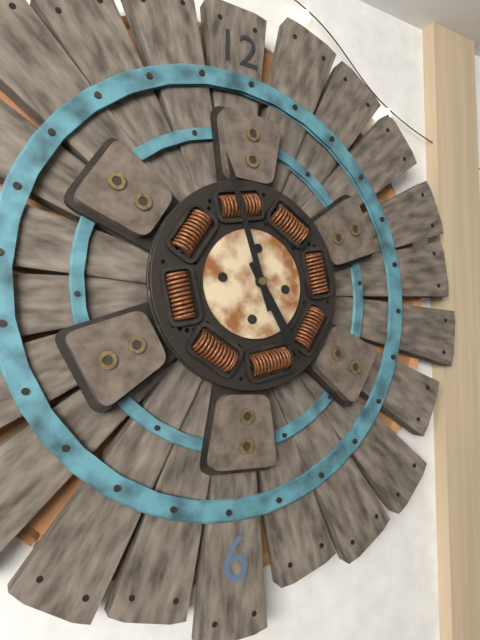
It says 4.57
